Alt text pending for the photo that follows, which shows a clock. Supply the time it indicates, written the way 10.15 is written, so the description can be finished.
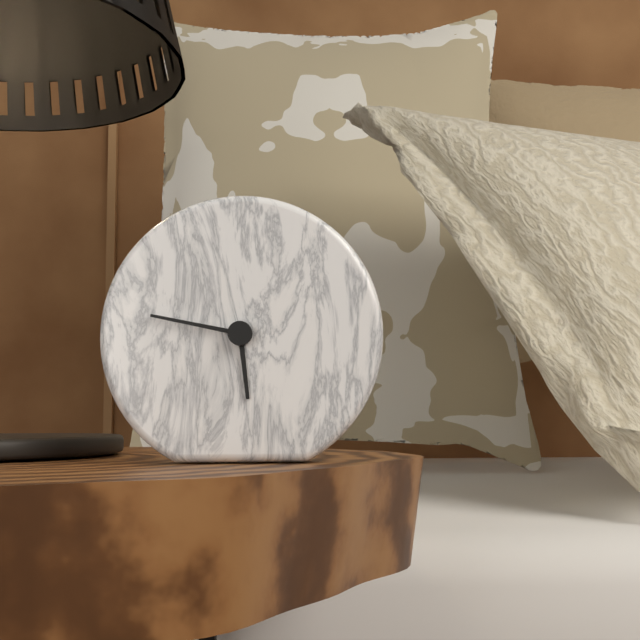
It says 5.47
